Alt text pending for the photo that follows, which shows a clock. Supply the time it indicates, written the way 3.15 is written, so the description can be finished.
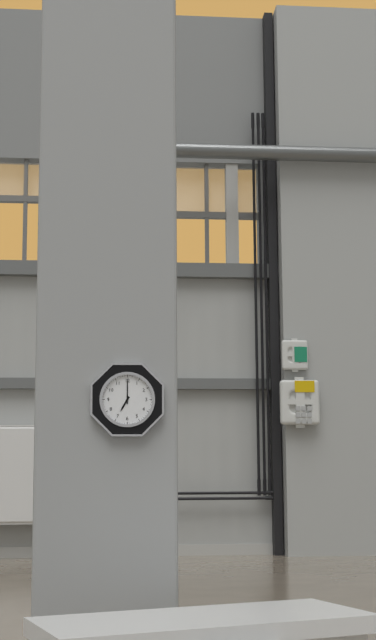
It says 7.00
